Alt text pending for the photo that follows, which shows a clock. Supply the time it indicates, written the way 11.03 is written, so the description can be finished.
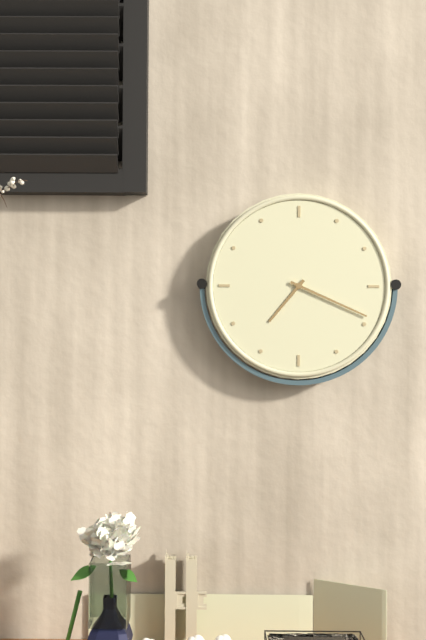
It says 7.19
